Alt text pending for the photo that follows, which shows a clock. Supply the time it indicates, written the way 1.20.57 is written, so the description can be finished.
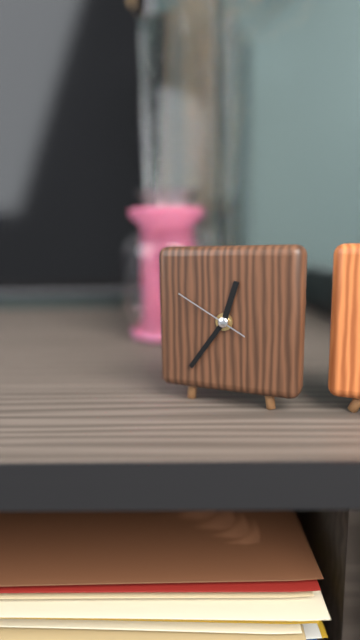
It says 12.36.50
